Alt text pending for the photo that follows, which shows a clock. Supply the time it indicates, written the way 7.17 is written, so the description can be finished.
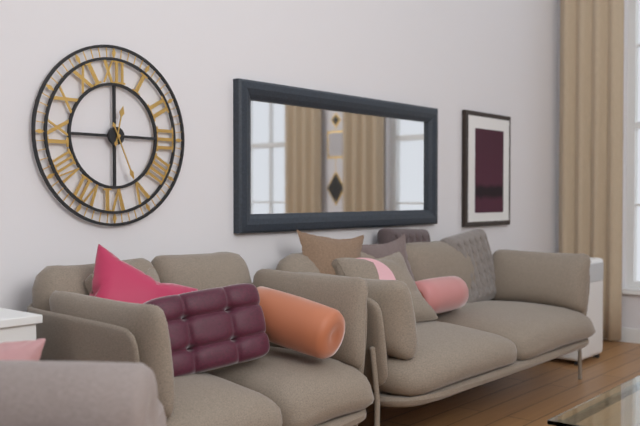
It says 12.26
